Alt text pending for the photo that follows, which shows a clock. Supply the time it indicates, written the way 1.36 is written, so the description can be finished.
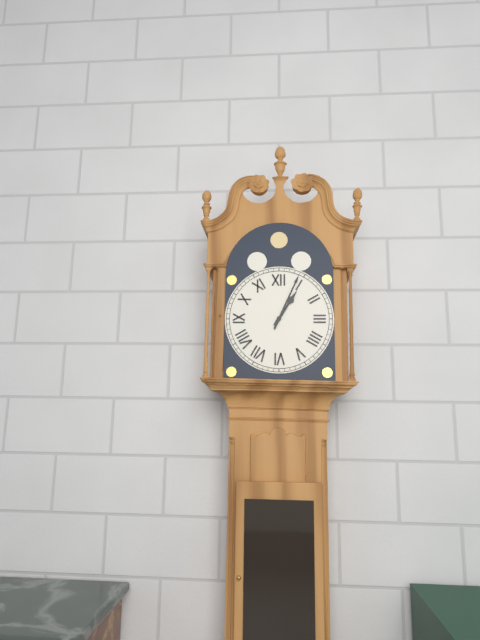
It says 1.04
